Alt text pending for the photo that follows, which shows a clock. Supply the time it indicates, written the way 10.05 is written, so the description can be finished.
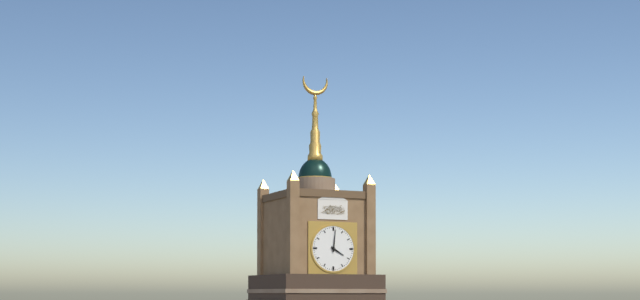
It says 4.01
